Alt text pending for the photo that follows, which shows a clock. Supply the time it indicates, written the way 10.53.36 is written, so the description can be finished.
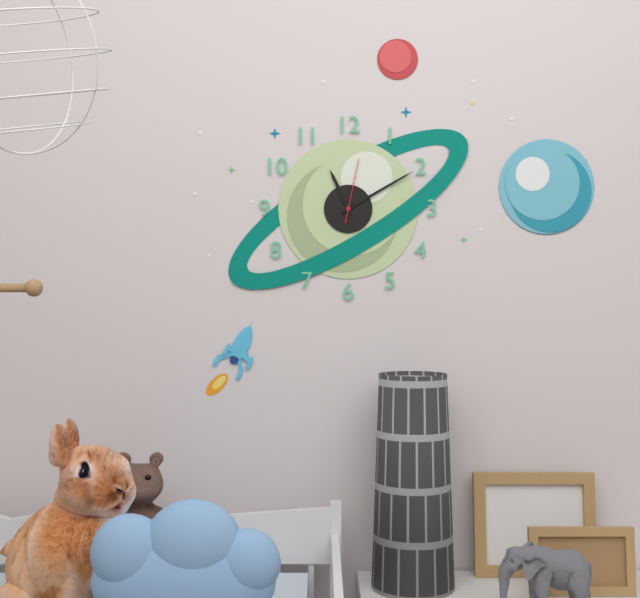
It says 11.10.02
